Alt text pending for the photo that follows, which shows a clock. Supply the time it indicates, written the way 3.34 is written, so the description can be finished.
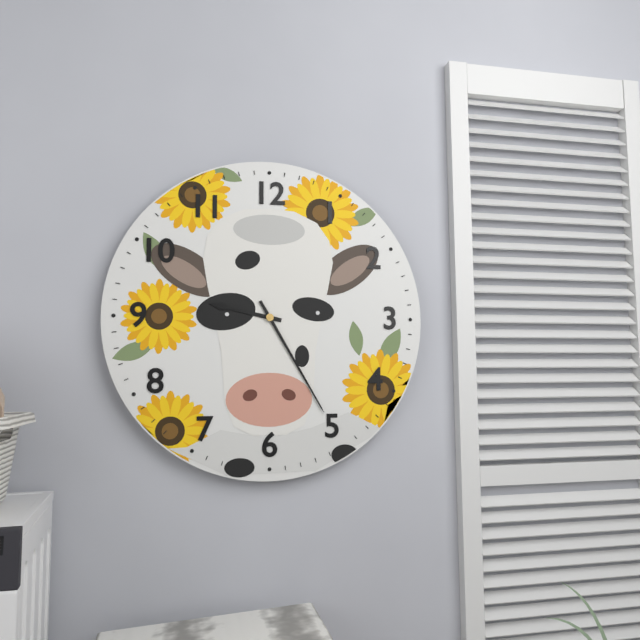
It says 9.25
